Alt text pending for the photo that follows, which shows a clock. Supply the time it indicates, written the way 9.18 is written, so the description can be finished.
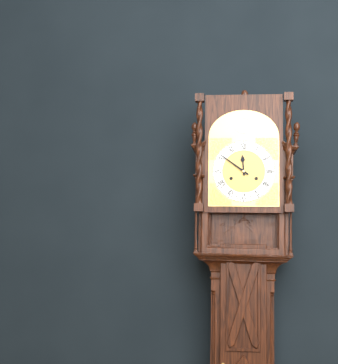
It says 11.51
